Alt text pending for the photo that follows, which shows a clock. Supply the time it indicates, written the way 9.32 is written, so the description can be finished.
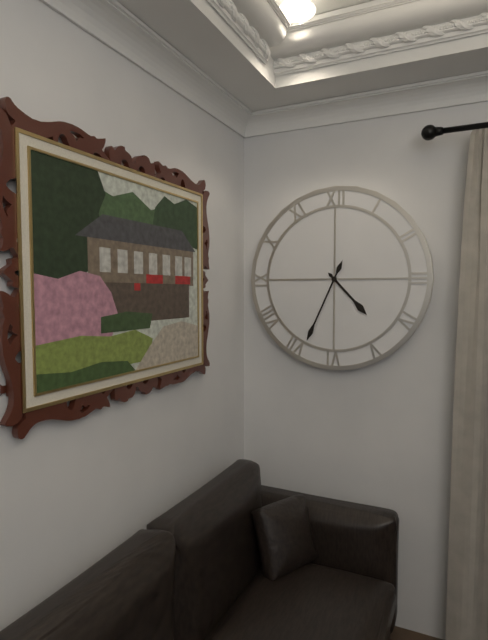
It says 4.34
